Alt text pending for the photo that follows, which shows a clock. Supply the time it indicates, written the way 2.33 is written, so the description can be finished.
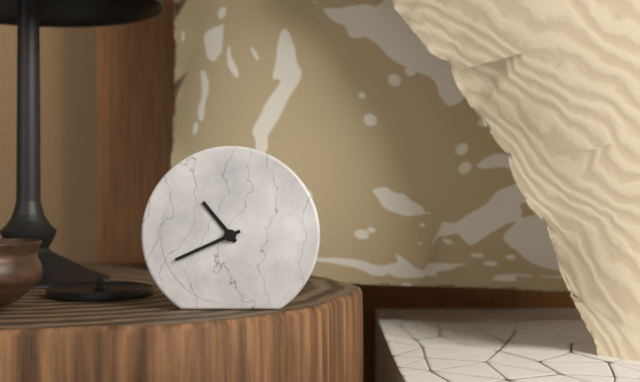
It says 10.41
